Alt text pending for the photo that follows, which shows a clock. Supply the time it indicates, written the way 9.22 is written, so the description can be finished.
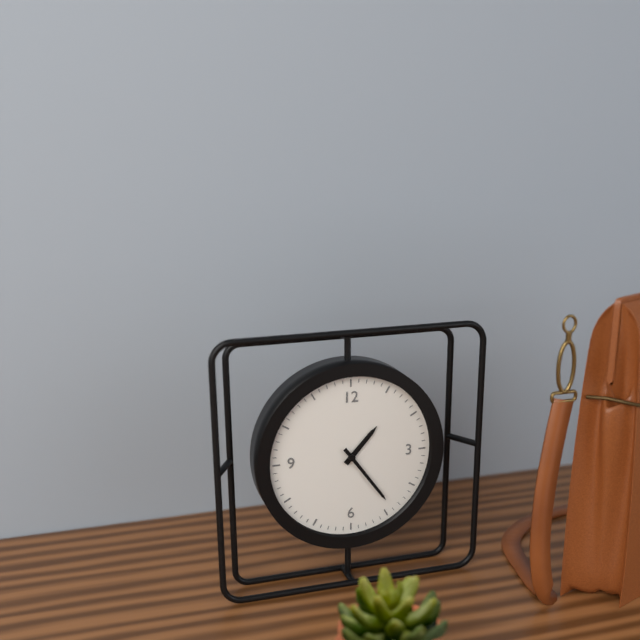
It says 1.24
